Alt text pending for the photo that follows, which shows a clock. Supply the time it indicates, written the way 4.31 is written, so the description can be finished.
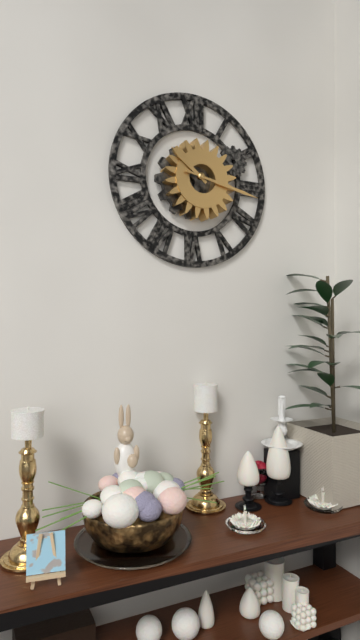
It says 10.17
